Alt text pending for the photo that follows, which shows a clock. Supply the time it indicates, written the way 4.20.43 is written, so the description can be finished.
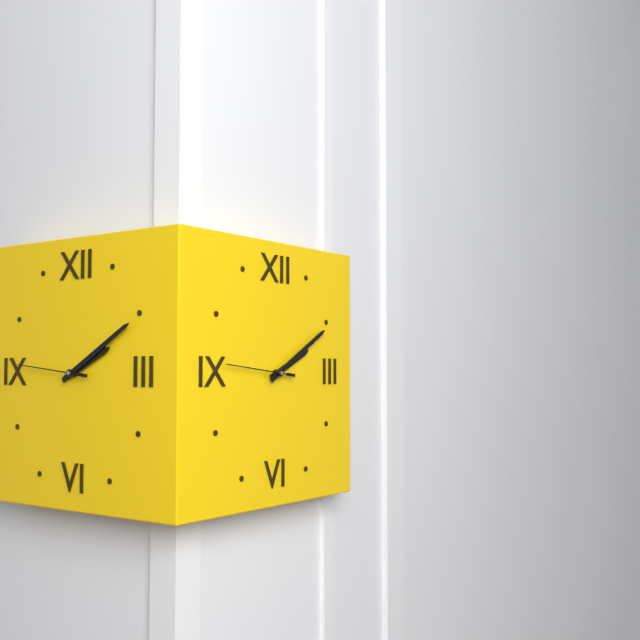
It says 2.10.46
